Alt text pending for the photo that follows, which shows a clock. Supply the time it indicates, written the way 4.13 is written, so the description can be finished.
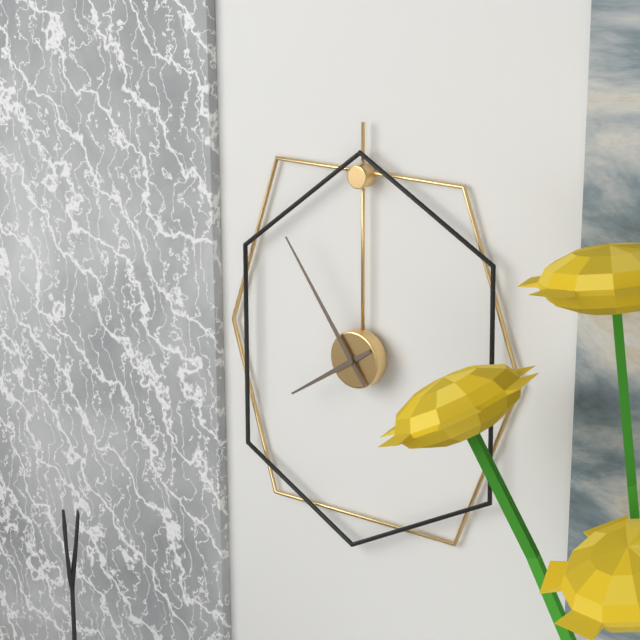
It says 7.54
